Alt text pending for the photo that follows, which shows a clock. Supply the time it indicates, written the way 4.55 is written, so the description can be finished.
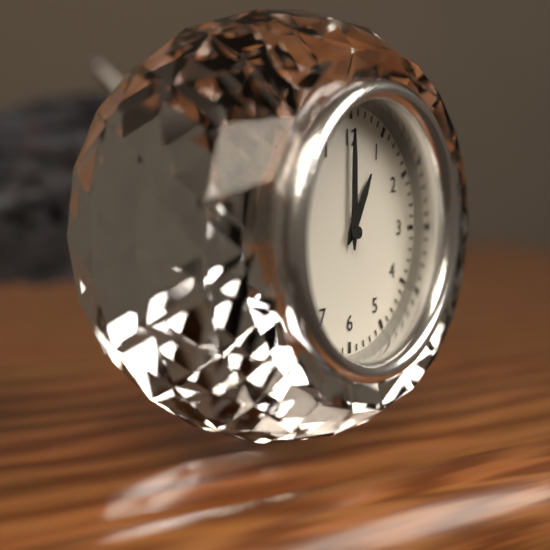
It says 1.00
